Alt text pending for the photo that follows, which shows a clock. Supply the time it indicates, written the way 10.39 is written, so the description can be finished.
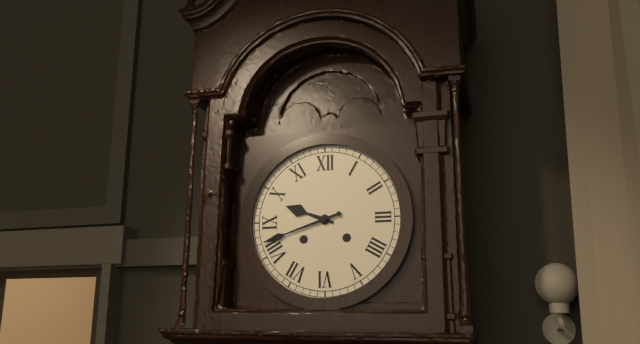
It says 9.42
